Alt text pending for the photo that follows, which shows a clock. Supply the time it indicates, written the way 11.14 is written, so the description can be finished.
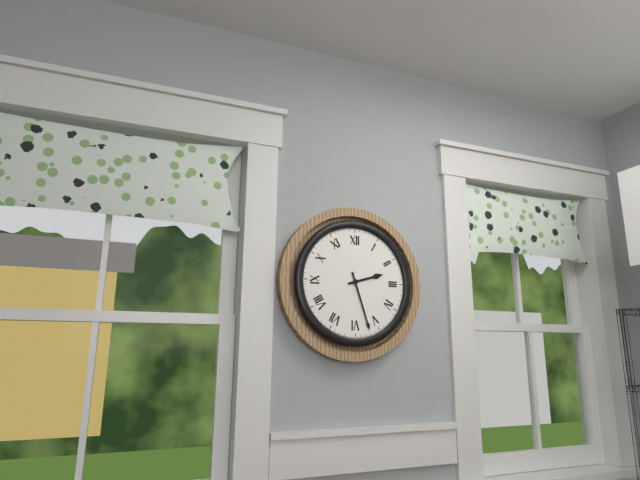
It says 2.27
